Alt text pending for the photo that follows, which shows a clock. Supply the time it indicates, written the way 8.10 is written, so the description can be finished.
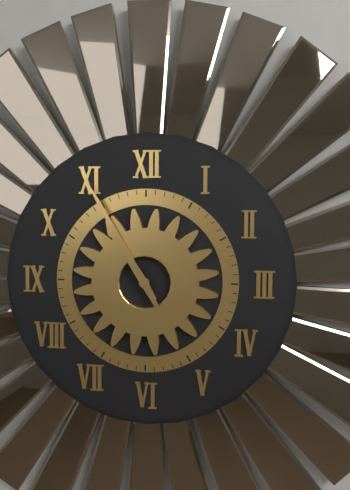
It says 10.55
